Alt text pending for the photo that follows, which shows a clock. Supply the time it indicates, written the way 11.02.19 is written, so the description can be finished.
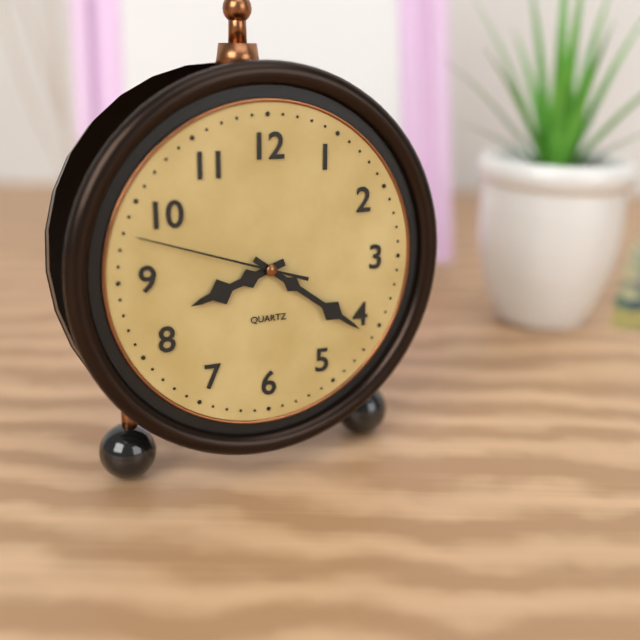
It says 8.21.48
